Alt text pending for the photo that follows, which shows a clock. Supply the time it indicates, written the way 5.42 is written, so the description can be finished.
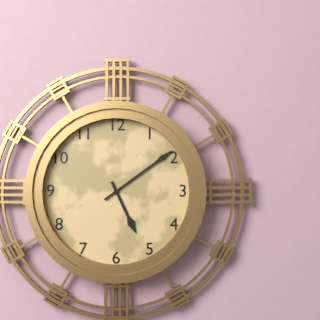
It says 5.09
